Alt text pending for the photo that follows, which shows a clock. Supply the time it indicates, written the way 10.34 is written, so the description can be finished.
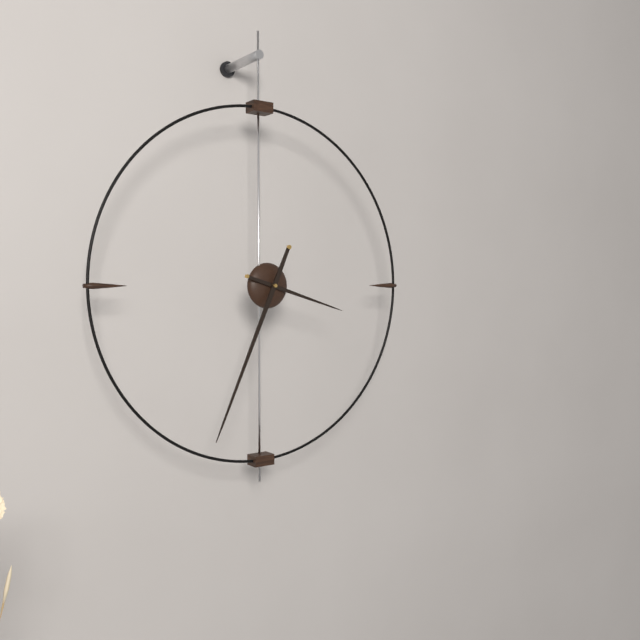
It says 3.34
